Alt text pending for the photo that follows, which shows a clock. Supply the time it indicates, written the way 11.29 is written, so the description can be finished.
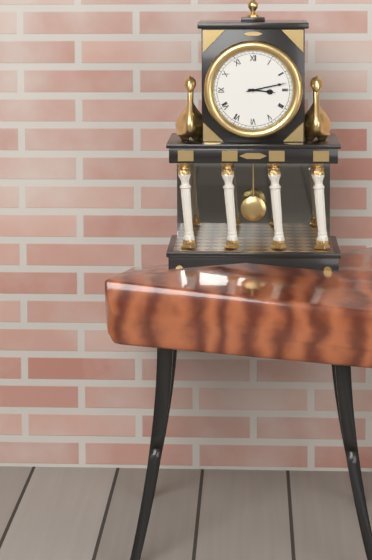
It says 3.13
